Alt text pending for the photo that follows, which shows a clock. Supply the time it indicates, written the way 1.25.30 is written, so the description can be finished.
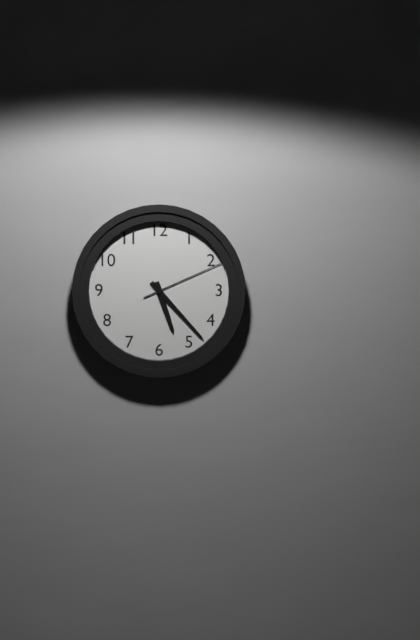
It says 5.23.11
